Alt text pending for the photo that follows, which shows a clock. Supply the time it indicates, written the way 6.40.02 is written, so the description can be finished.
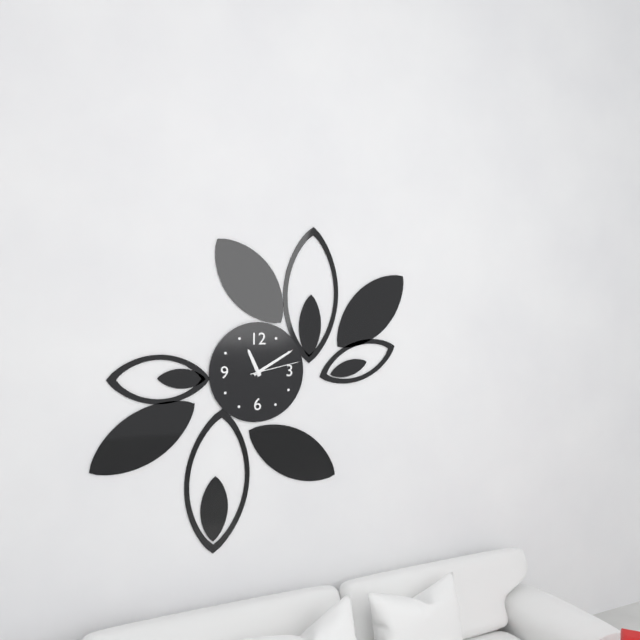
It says 11.10.13
